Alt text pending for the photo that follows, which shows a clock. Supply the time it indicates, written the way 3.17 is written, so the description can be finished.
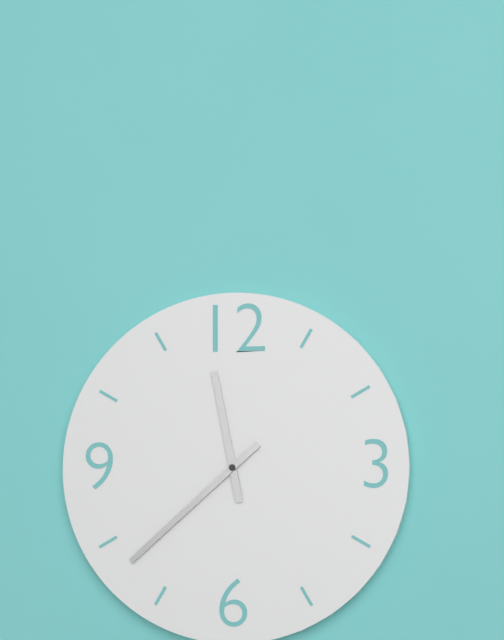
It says 11.38
